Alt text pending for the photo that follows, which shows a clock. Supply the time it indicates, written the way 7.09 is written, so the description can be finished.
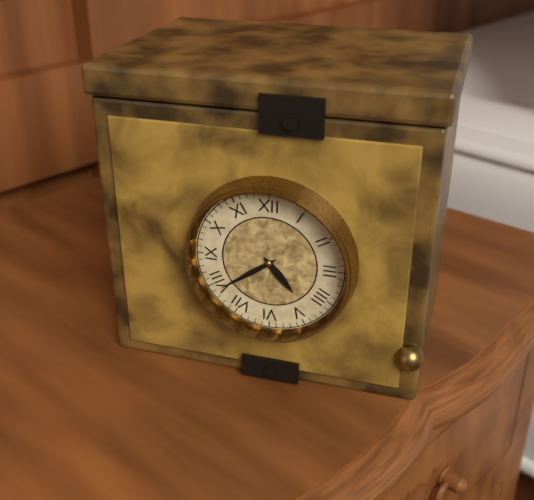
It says 4.39
